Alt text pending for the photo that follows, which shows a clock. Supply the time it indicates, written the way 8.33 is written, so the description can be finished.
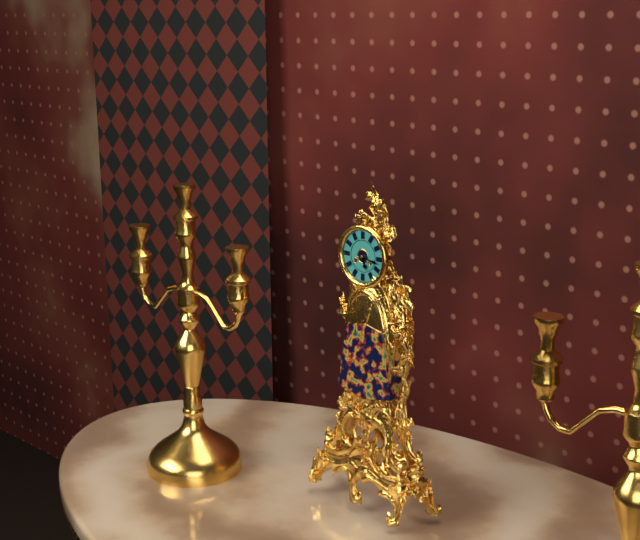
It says 5.17
